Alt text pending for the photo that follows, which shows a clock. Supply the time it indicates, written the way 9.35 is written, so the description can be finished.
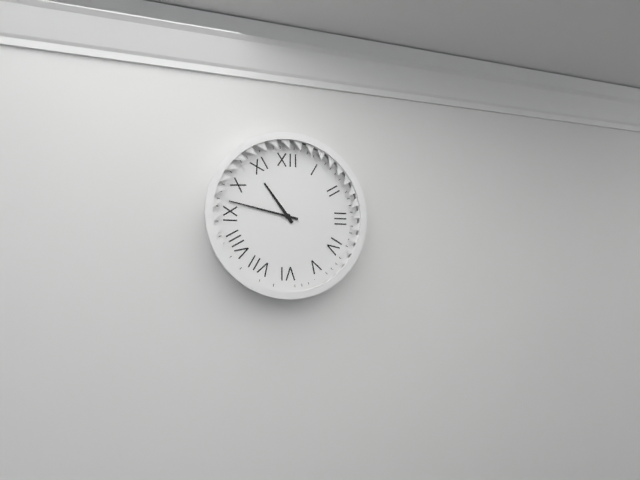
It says 10.47
